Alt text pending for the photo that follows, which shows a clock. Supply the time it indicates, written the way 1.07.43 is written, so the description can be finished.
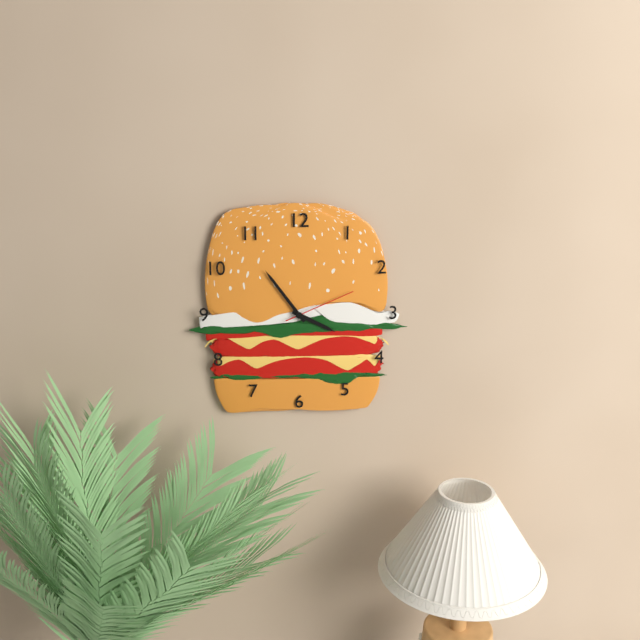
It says 3.54.11
